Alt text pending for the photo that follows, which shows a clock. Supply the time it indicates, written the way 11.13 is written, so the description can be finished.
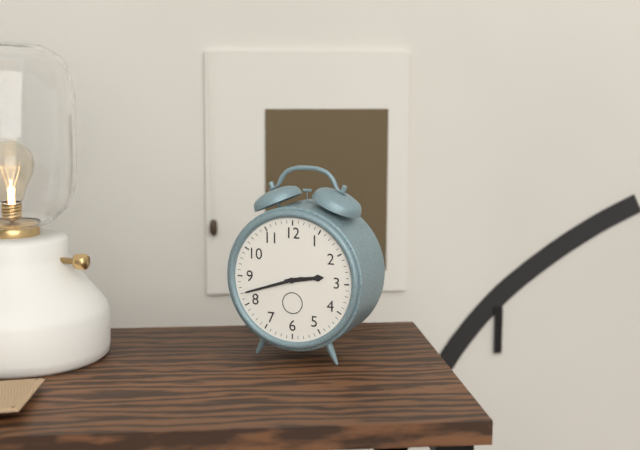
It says 2.42
